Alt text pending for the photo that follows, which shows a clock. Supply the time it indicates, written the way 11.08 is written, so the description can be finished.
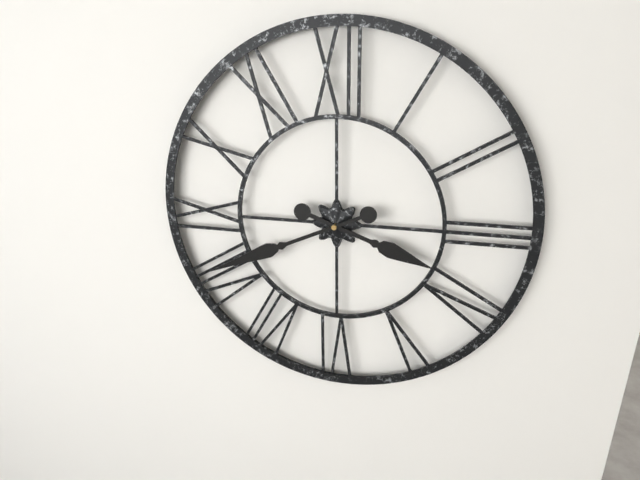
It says 3.41
